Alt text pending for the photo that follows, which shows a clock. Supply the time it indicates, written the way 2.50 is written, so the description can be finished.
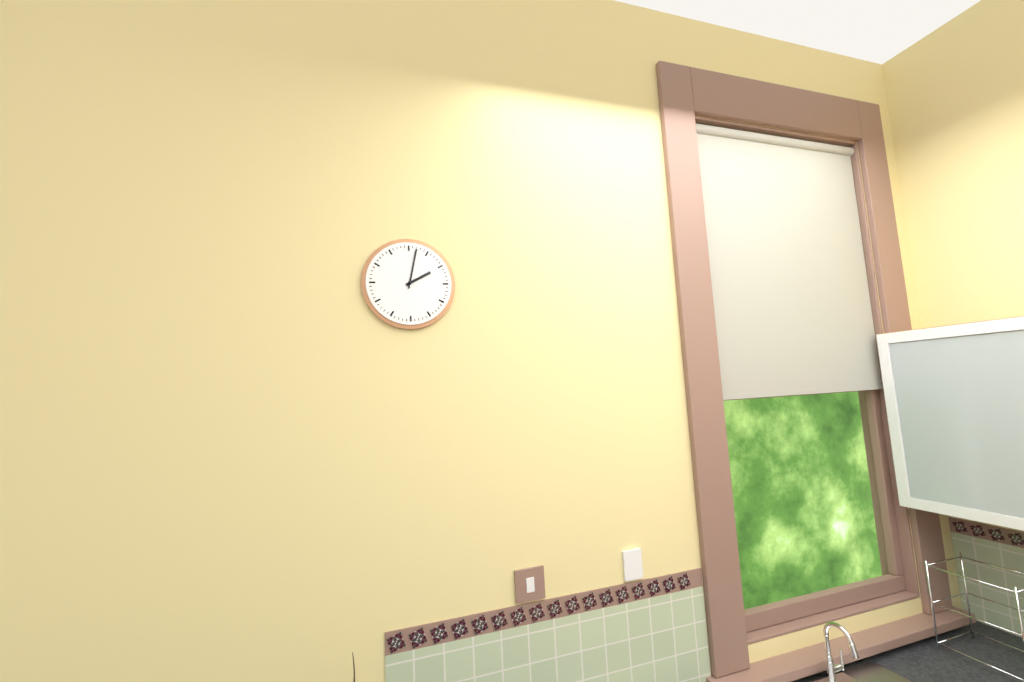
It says 2.02
